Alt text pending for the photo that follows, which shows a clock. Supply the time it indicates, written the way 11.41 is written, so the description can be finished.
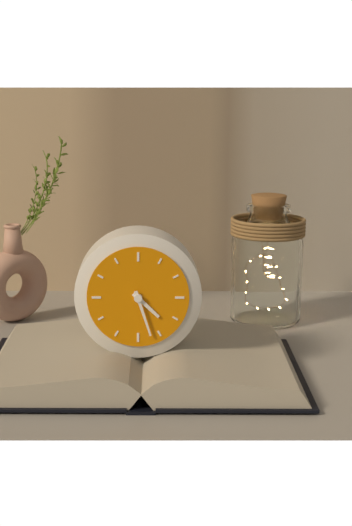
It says 4.27
